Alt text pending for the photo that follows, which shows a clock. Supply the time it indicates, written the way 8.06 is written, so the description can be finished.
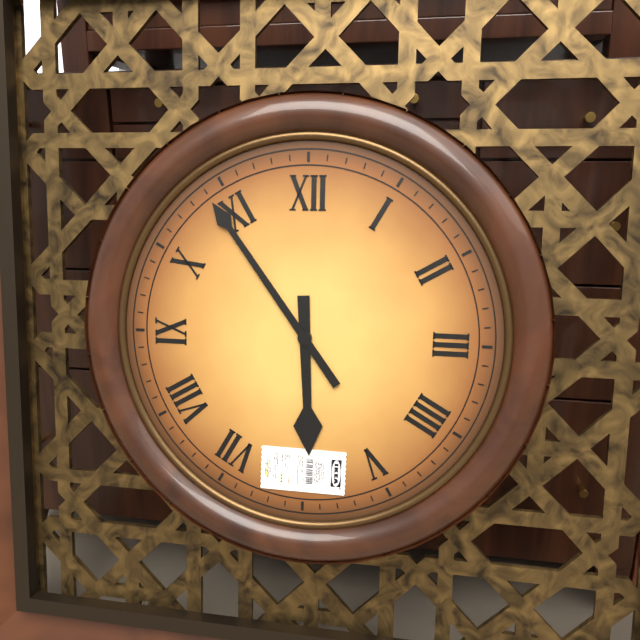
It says 5.54
